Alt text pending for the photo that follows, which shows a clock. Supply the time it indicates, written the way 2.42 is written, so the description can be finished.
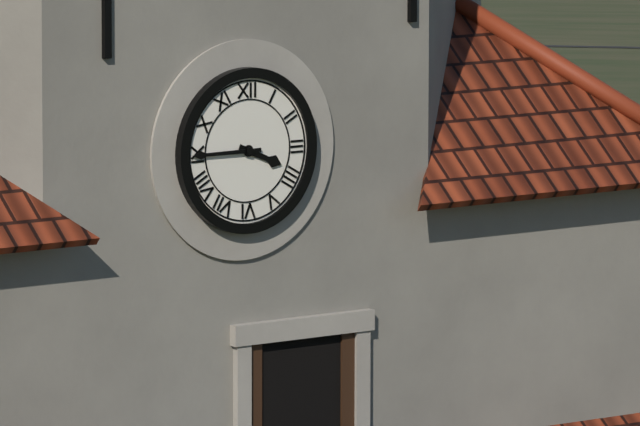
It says 3.45
